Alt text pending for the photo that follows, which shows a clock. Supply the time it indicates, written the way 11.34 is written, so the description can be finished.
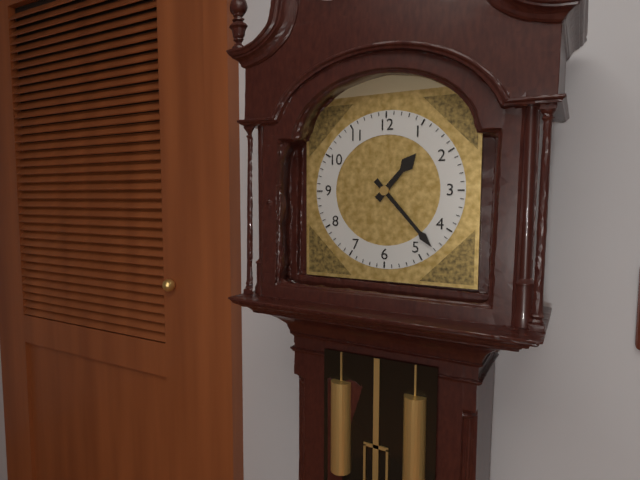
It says 1.23
